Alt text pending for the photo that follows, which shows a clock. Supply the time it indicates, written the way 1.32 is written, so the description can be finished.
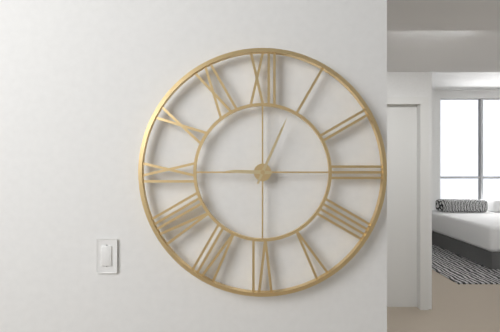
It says 9.04
